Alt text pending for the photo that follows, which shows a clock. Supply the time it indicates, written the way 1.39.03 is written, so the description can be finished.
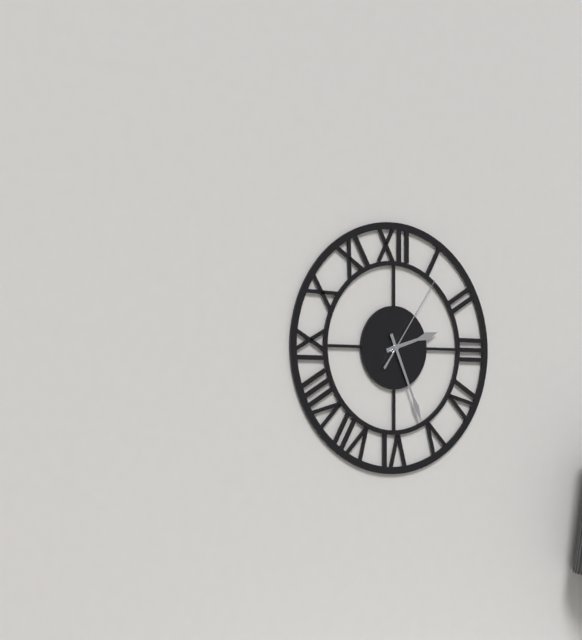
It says 2.26.06
